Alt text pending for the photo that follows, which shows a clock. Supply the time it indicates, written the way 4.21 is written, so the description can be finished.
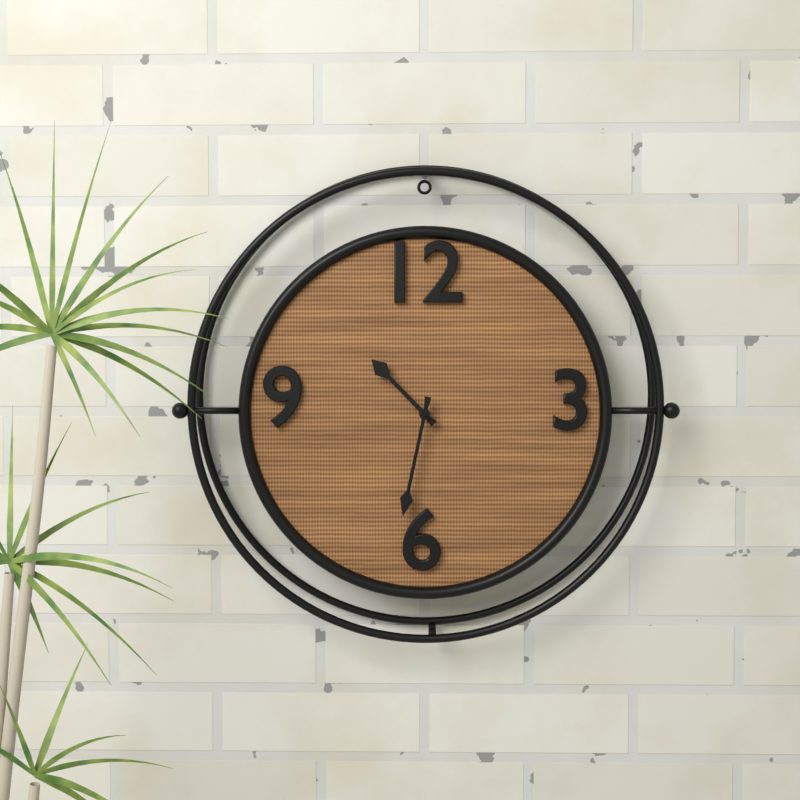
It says 10.32
